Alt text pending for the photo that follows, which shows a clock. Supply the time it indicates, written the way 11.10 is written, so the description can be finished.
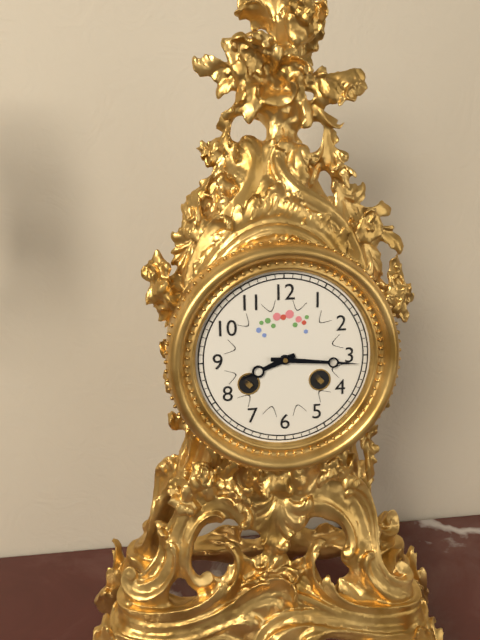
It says 8.16
